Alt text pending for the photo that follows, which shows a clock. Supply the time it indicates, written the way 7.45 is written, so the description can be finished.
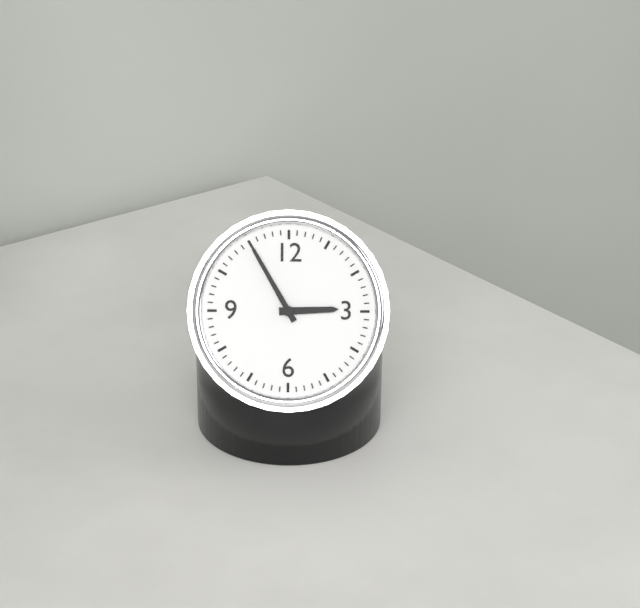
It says 2.55
